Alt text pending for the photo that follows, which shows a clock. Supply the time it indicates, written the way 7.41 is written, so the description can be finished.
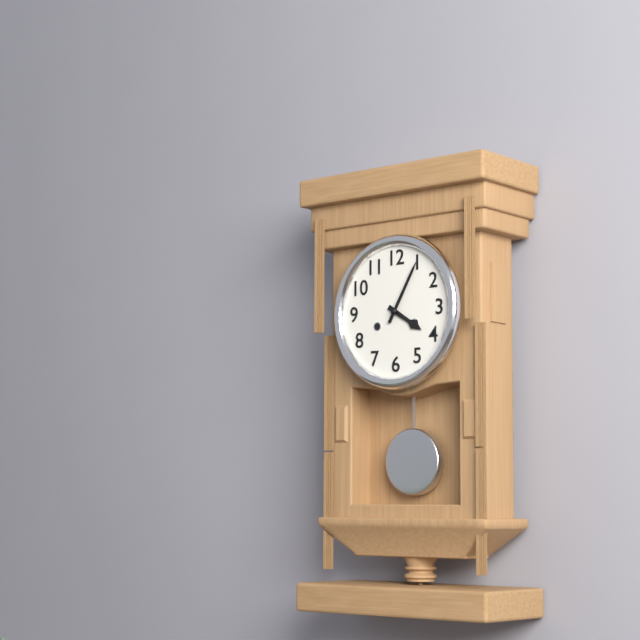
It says 4.05
